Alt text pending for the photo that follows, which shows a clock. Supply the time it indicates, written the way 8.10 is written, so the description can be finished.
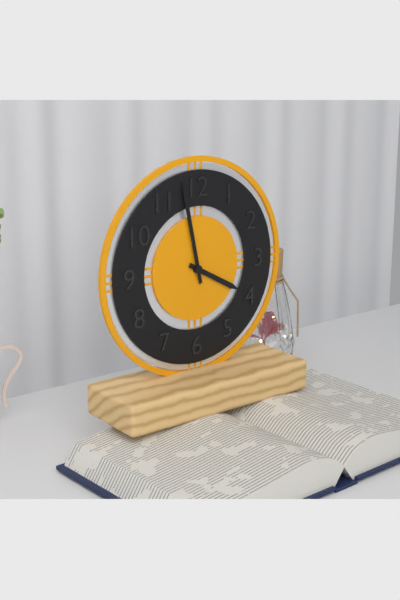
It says 3.58
